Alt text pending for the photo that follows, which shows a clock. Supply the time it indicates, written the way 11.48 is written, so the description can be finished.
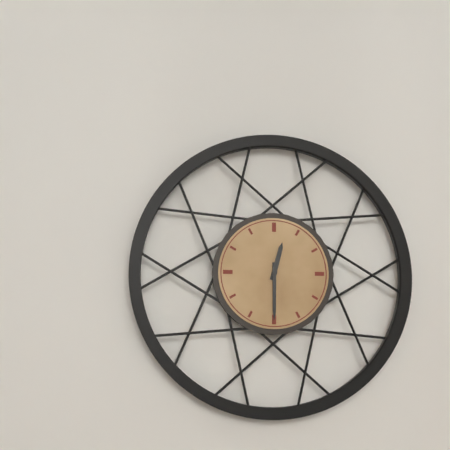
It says 12.30
